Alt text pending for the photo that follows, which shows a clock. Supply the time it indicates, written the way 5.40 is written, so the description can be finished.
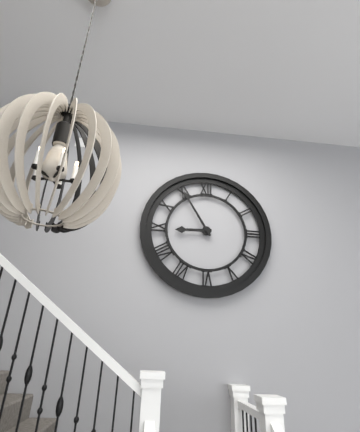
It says 8.55
